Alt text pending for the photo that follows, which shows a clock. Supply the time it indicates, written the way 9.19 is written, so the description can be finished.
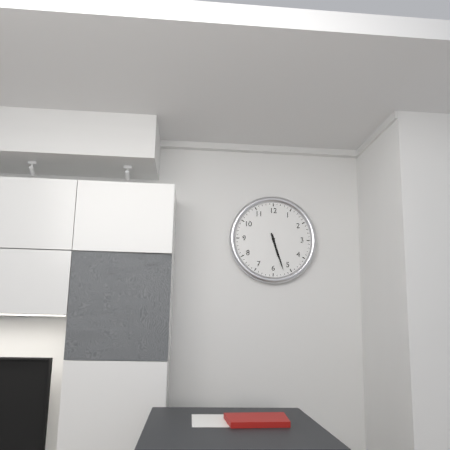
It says 5.27
